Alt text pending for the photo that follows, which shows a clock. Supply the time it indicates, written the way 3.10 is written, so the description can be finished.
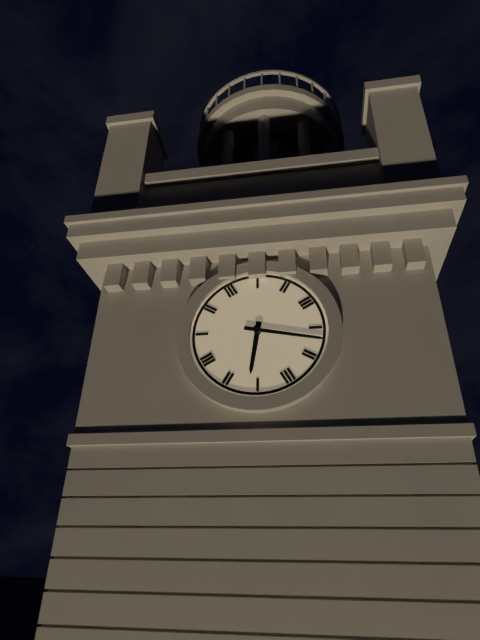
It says 6.17
